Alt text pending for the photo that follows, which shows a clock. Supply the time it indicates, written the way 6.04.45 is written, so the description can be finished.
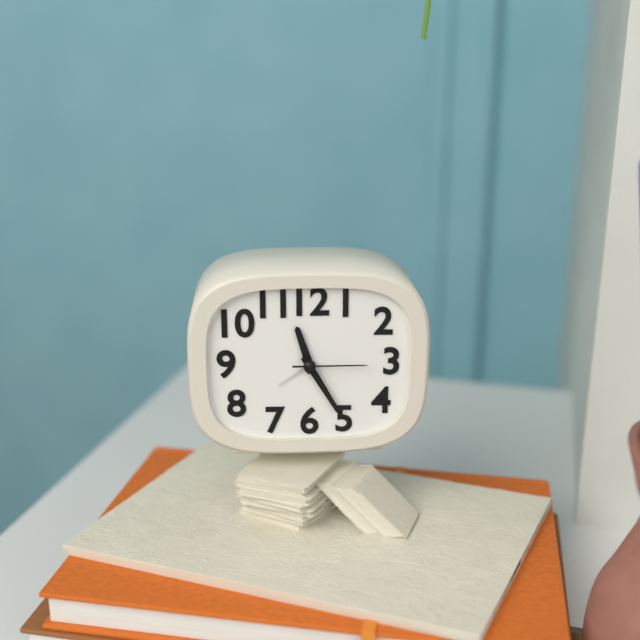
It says 11.25.15
